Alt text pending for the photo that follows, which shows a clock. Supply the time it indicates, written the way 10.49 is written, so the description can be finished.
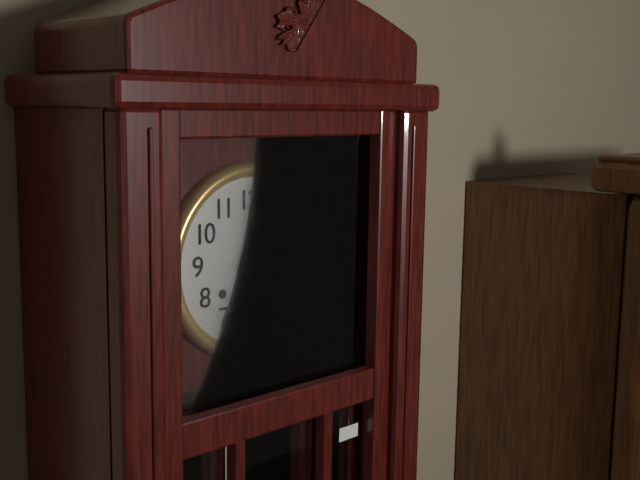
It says 2.09
